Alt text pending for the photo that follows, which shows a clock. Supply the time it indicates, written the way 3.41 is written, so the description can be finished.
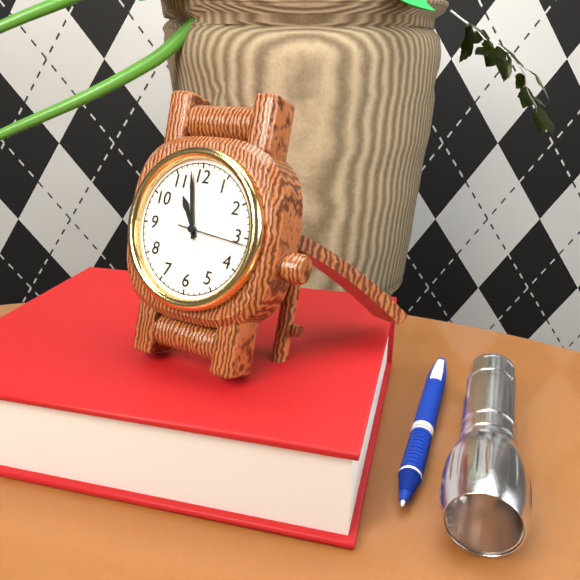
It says 10.58
